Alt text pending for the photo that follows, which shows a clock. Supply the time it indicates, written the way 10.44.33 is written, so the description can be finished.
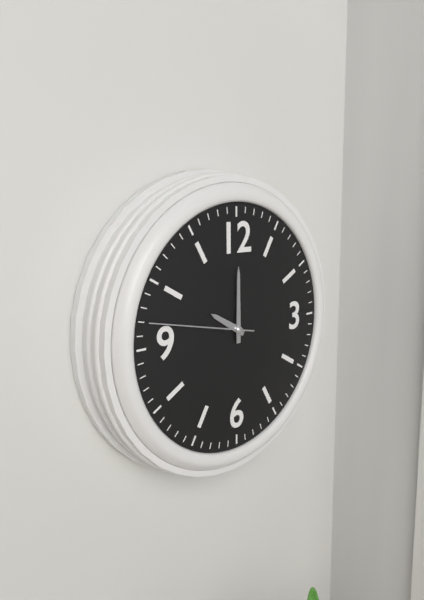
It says 10.00.47
